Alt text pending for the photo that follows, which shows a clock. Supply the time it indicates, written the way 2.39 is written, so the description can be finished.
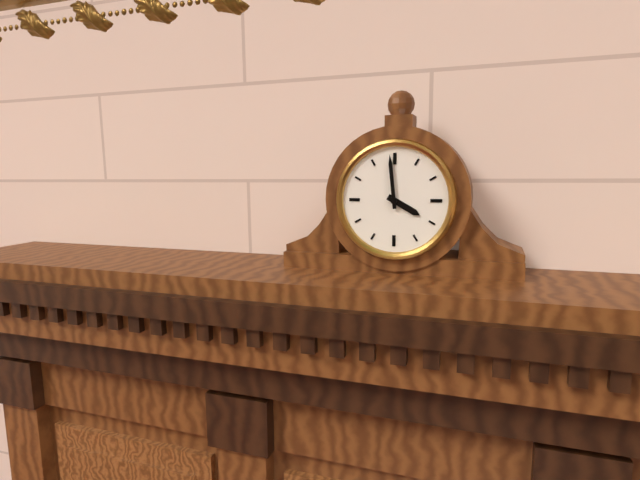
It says 3.59
